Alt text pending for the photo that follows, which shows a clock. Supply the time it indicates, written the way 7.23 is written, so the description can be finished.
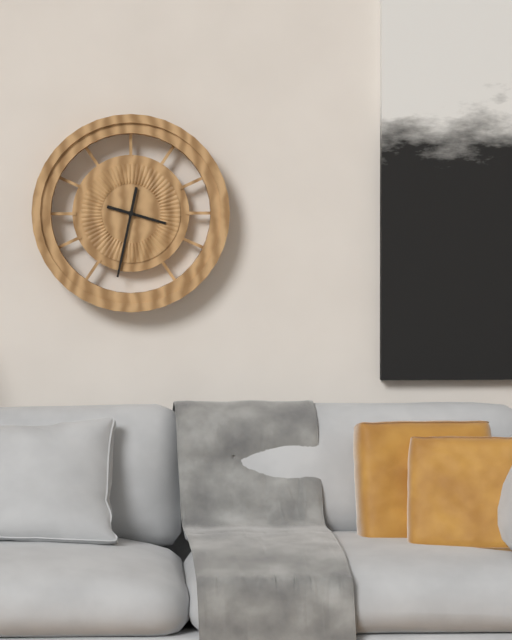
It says 3.32
